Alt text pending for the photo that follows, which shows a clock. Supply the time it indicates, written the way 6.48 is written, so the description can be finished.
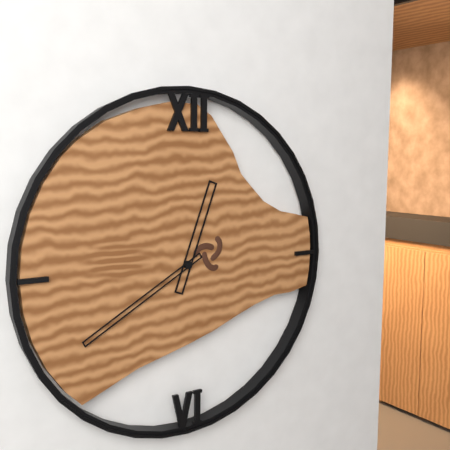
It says 12.40
